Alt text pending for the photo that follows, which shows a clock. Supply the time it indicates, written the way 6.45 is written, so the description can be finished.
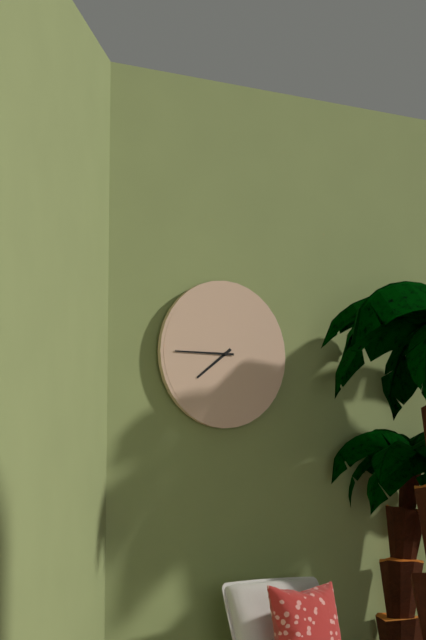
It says 7.45
